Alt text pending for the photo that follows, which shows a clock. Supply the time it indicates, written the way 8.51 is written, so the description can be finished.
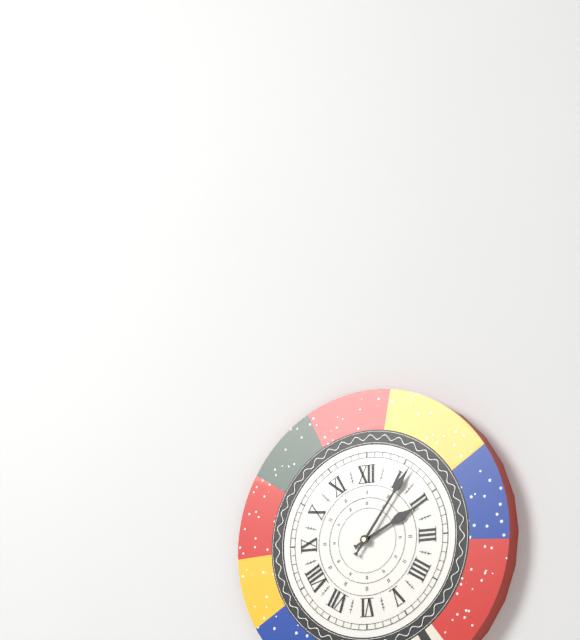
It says 2.06
